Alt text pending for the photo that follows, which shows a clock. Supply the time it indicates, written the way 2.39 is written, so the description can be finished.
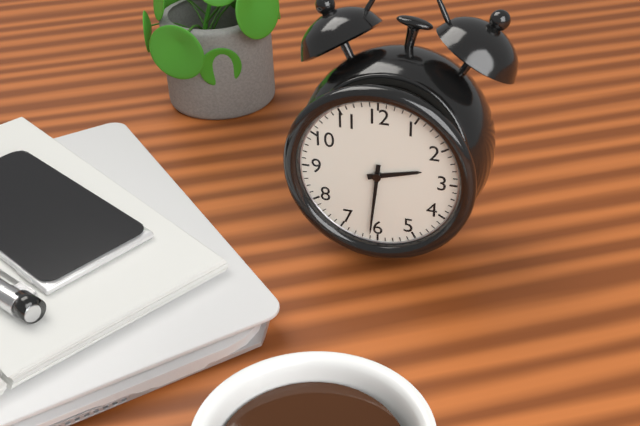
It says 2.31
